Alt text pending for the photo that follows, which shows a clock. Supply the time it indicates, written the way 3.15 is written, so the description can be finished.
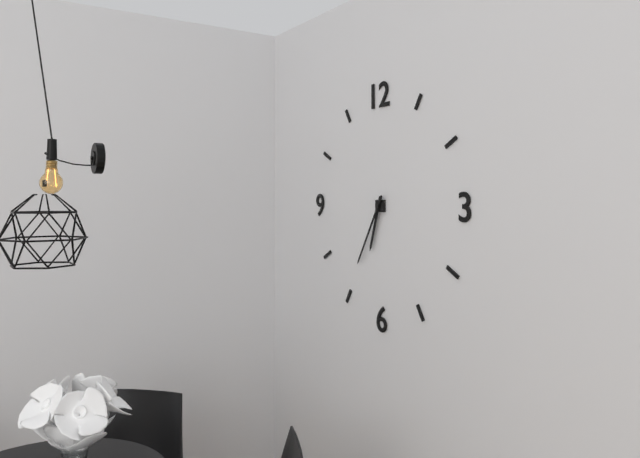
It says 6.35
